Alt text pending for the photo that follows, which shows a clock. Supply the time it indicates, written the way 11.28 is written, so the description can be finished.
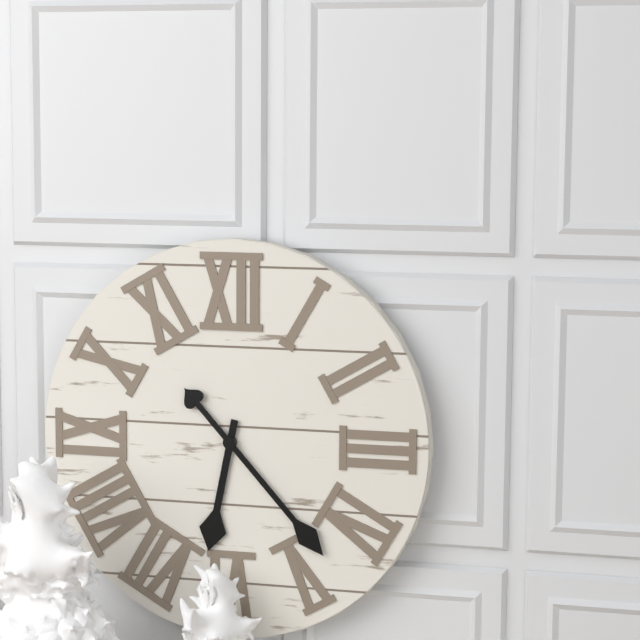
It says 6.23
